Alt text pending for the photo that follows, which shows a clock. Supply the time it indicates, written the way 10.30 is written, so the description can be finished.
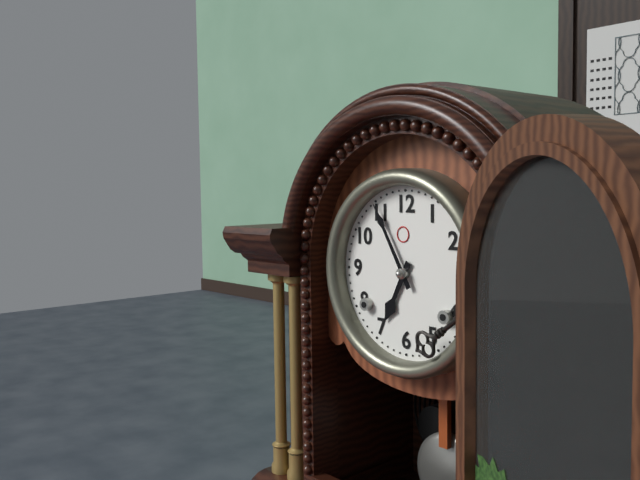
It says 6.55
